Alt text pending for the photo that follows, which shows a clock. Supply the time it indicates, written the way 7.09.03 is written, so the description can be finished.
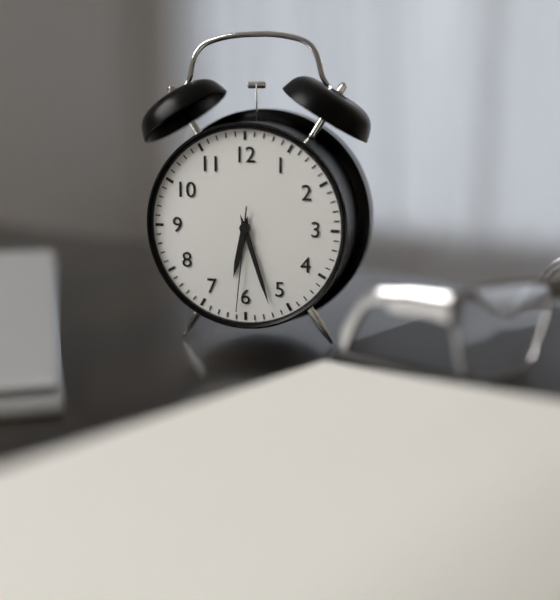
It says 6.27.31
